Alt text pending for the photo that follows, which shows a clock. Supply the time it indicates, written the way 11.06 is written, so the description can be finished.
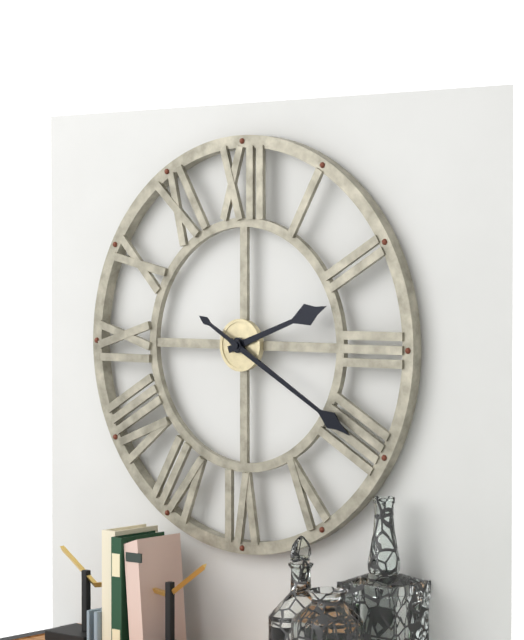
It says 2.20
